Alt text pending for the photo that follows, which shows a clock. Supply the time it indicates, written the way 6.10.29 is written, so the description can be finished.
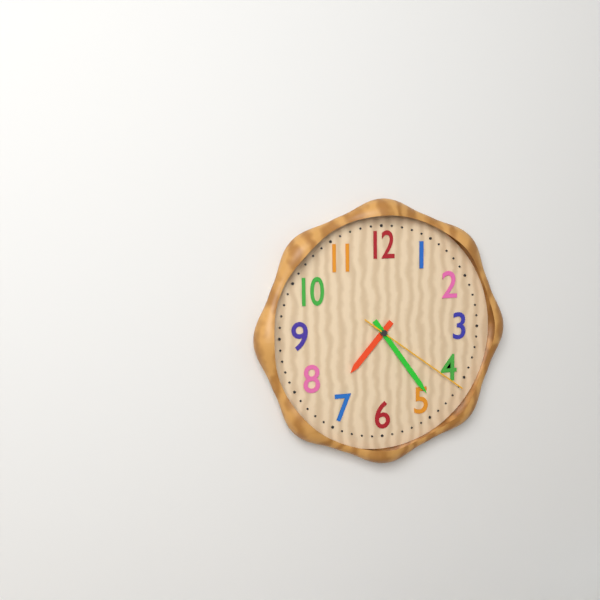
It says 7.24.21
